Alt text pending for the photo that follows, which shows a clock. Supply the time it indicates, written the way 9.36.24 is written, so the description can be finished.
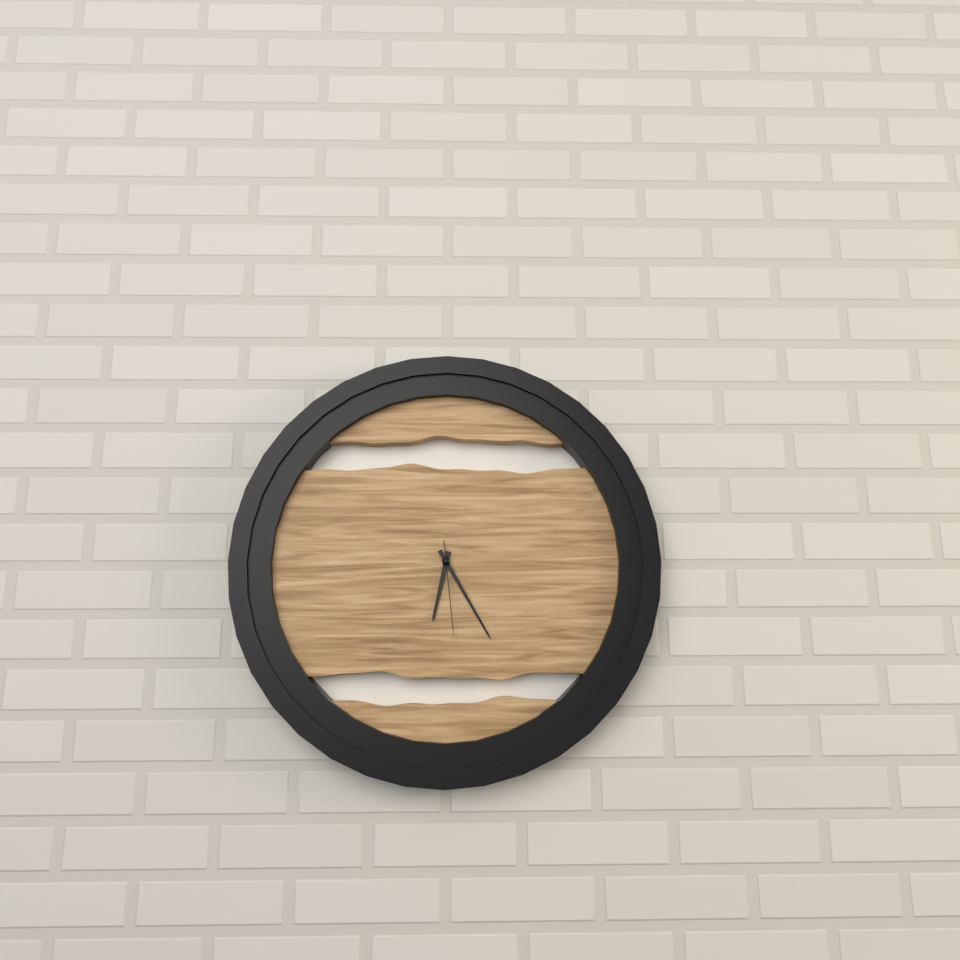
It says 6.25.29
